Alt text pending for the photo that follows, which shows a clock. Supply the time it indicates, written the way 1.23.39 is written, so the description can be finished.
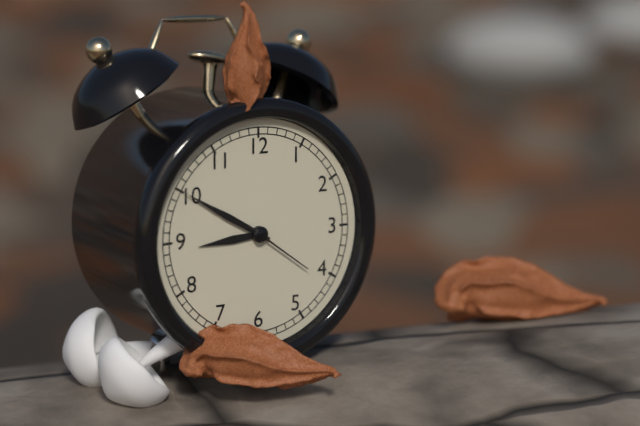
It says 8.50.21
